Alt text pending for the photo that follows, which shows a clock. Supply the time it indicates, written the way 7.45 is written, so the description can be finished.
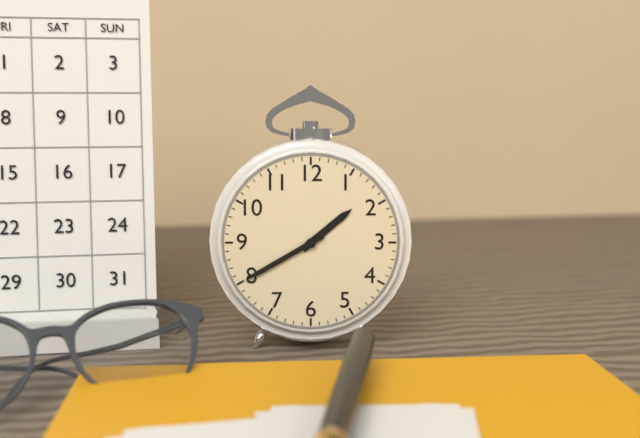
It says 1.40
